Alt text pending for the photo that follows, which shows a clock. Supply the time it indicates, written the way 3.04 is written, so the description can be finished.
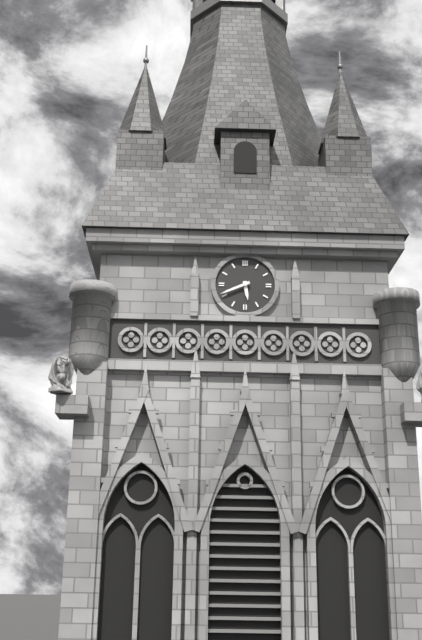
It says 5.41
